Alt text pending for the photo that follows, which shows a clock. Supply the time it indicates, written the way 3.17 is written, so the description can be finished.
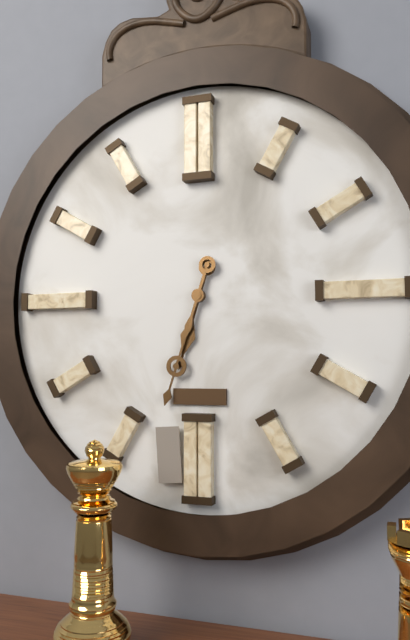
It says 6.33
